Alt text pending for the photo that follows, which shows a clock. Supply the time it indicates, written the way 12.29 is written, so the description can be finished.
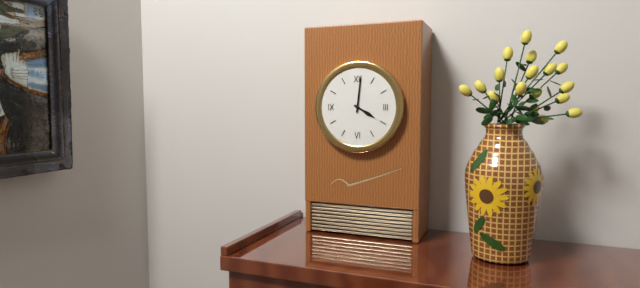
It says 4.01
